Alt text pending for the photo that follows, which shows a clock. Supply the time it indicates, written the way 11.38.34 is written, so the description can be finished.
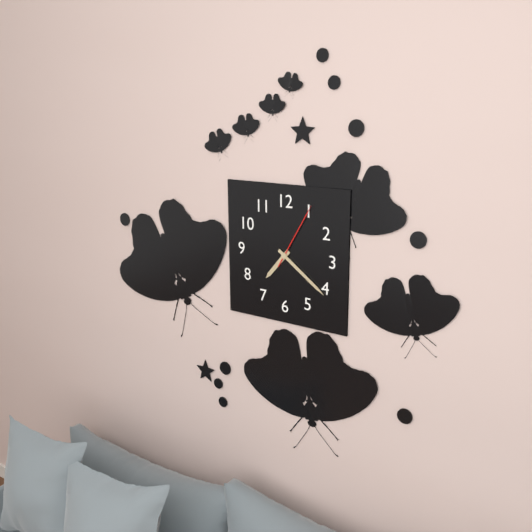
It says 7.21.05
